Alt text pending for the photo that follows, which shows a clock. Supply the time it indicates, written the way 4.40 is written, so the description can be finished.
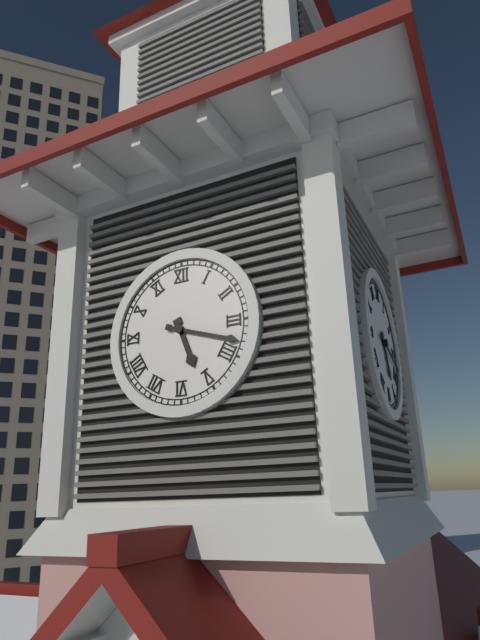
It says 5.18
